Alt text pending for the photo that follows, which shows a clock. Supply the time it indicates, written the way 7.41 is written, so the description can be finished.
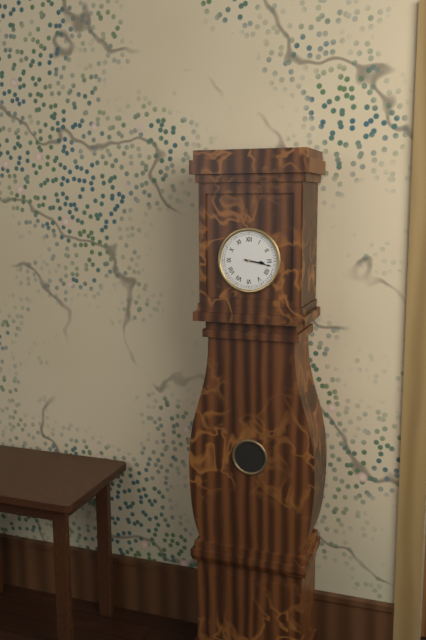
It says 3.17
